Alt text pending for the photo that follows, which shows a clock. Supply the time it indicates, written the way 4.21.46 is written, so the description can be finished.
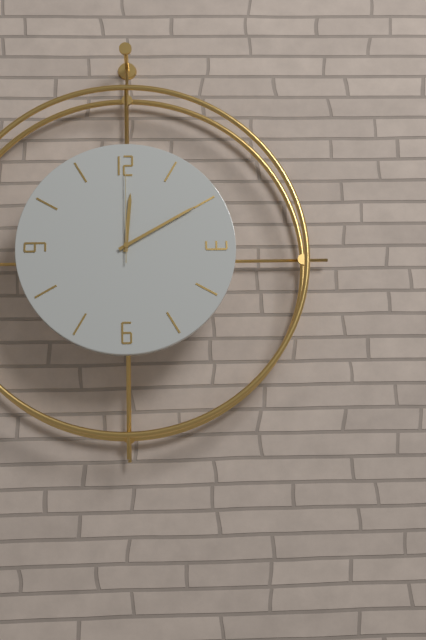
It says 12.10.00
